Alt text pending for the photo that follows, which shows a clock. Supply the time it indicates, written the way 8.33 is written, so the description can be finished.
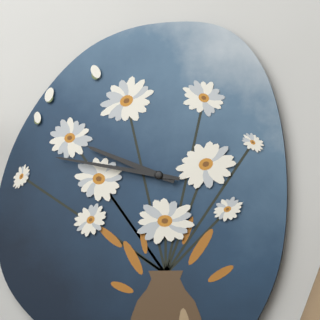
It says 9.47
